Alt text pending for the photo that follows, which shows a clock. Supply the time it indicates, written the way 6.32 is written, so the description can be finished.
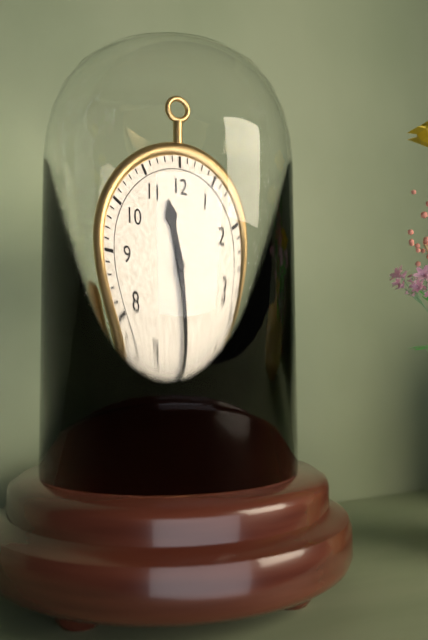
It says 11.28
